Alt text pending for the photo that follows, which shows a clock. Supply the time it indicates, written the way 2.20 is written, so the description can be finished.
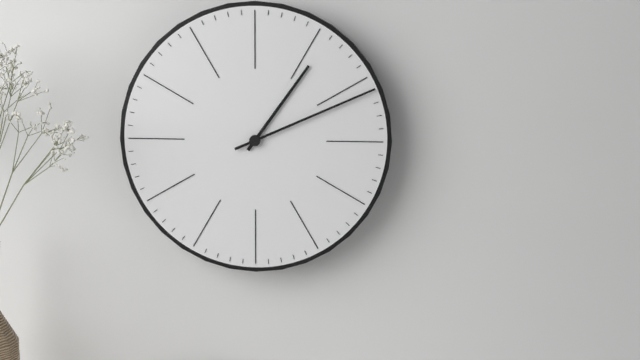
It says 1.11
